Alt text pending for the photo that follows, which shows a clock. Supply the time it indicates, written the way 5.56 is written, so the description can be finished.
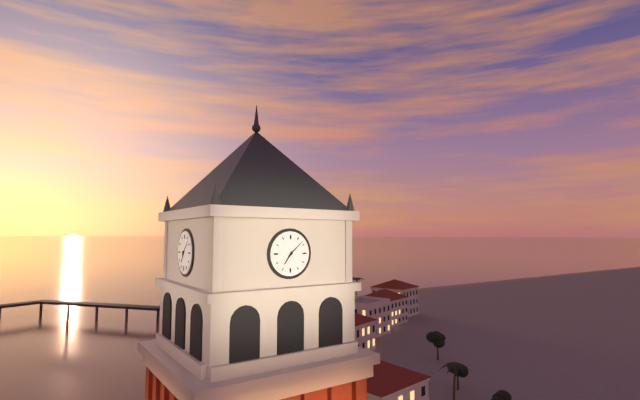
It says 7.08
